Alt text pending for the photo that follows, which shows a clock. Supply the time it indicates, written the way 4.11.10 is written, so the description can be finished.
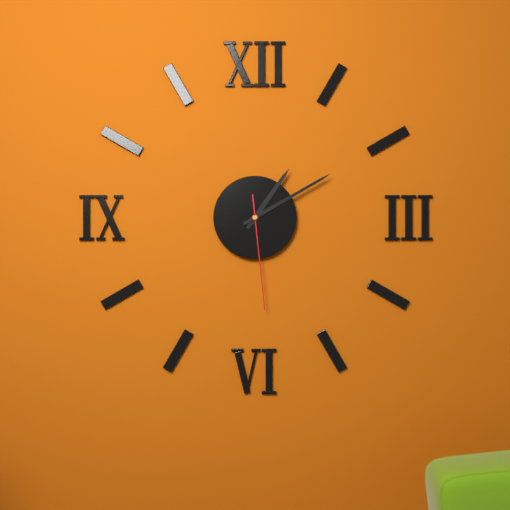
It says 1.10.29
